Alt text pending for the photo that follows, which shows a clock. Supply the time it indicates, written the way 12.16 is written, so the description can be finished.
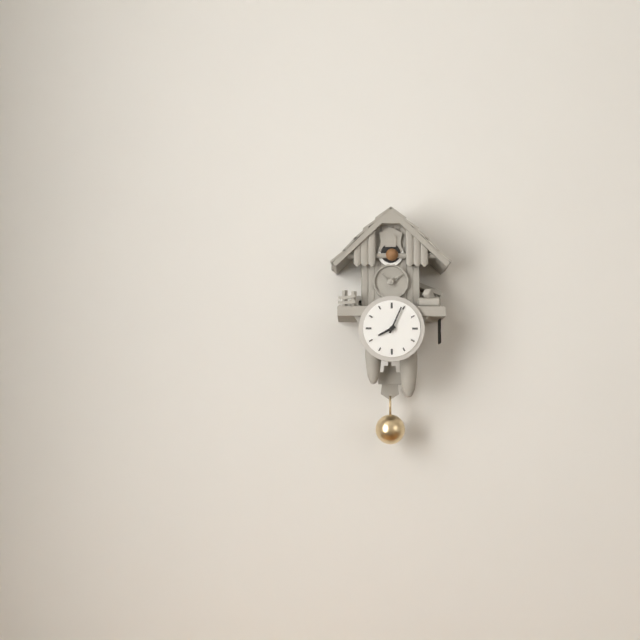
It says 8.04
